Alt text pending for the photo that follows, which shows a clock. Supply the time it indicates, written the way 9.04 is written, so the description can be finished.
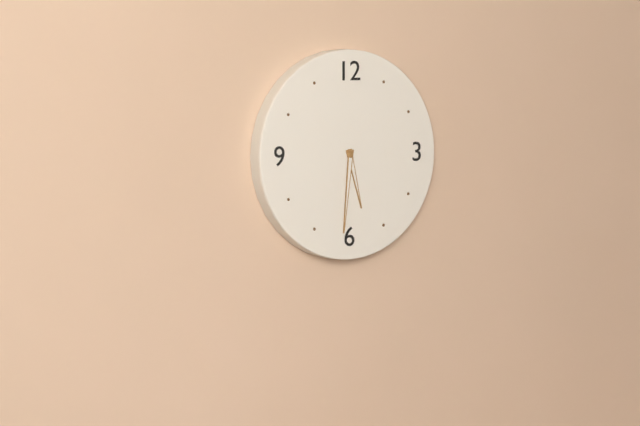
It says 5.31
